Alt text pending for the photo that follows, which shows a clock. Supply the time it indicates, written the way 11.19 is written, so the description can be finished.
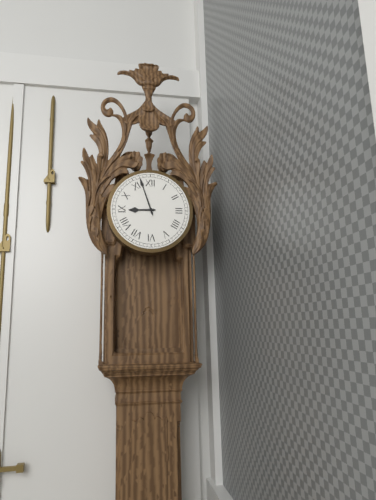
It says 8.57
